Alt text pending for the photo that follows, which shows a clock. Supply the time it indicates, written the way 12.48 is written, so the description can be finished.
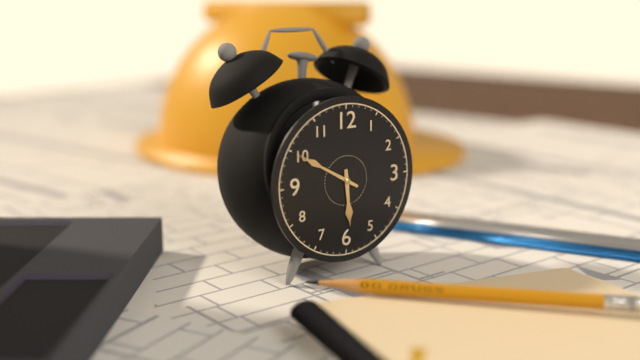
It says 5.50
